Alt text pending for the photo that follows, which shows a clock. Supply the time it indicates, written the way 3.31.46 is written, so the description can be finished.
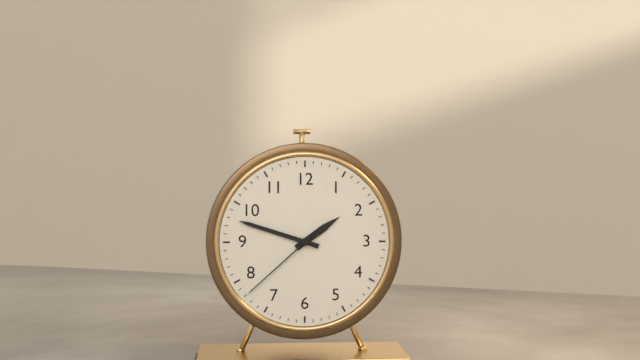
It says 1.48.38
